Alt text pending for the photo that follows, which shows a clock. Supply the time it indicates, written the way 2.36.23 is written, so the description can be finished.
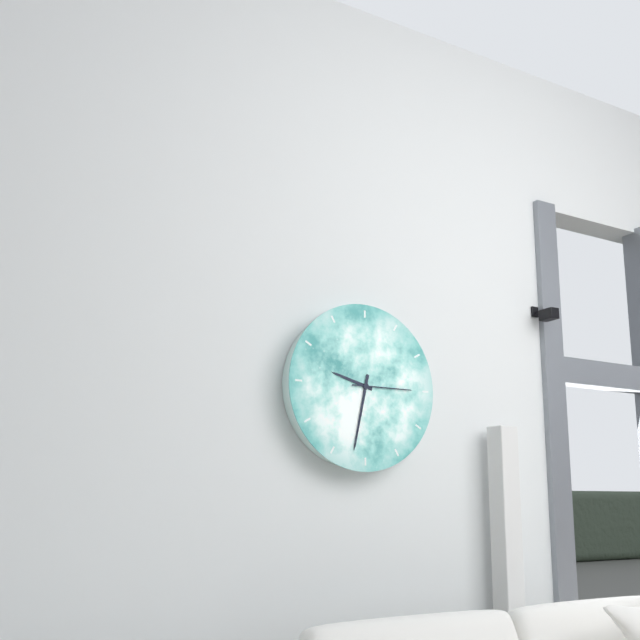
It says 9.32.15
